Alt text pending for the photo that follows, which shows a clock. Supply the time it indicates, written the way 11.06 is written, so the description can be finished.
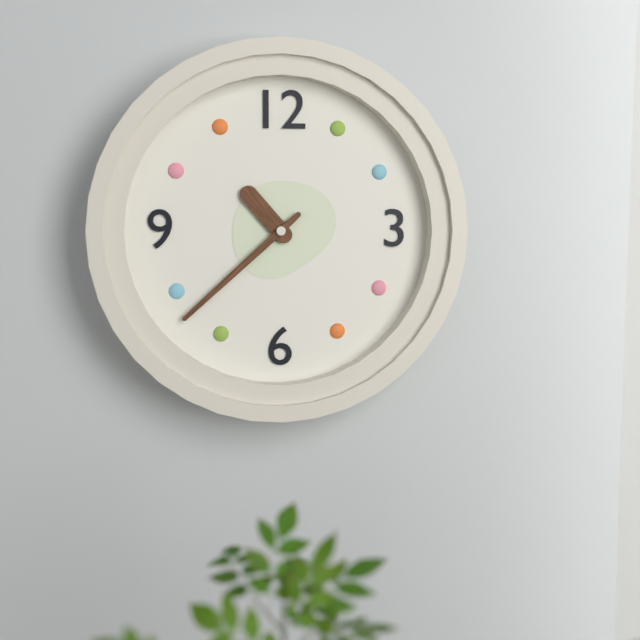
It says 10.38
